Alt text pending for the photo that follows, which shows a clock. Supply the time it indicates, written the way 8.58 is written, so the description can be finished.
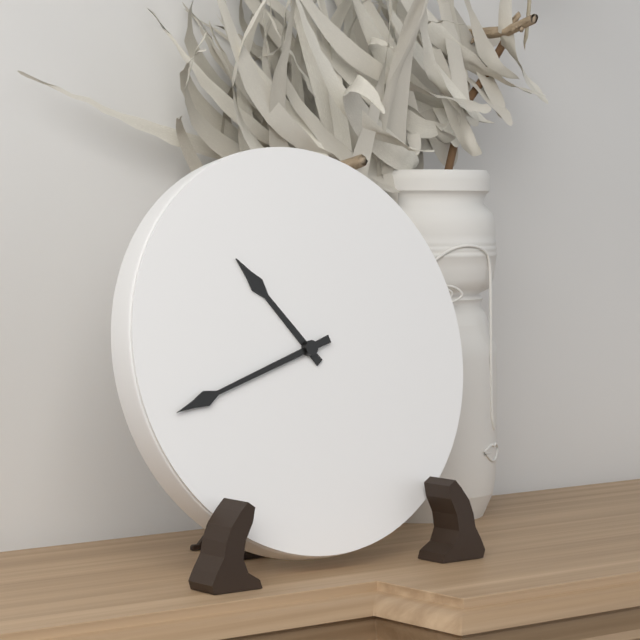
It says 10.42
